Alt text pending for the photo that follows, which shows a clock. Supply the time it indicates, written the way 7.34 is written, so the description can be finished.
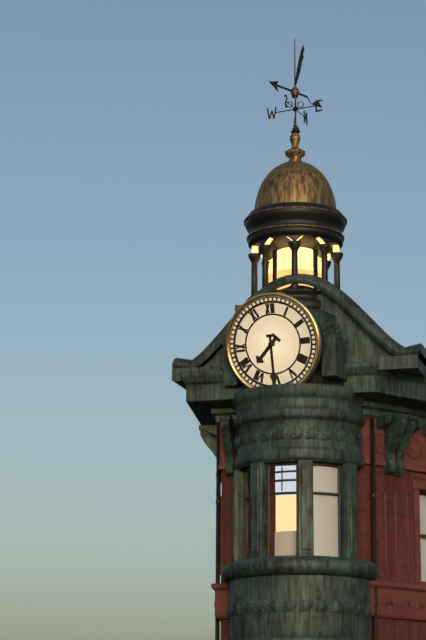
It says 7.30
